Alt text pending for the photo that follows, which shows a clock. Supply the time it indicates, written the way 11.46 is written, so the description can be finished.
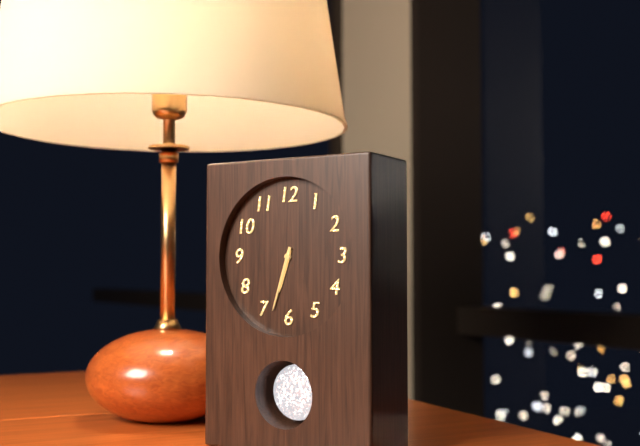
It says 6.33
